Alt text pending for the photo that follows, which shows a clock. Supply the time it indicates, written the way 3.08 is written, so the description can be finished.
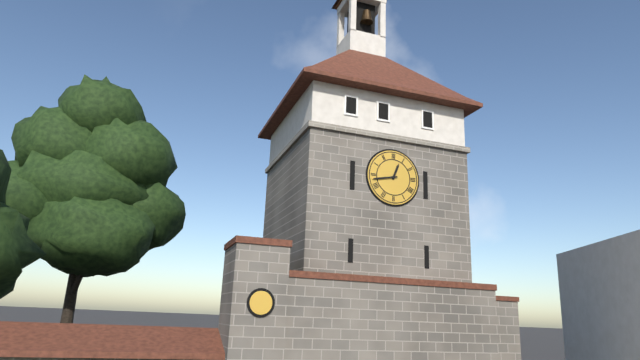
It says 12.43
